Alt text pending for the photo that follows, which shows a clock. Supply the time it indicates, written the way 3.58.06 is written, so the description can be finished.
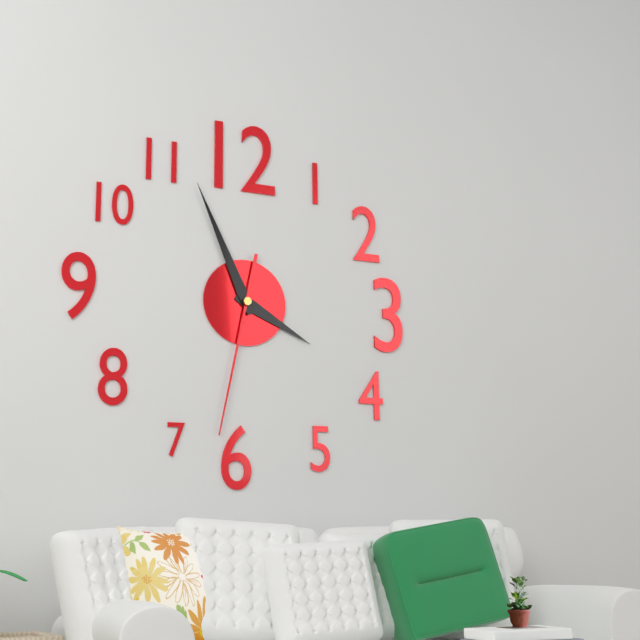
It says 3.56.32
